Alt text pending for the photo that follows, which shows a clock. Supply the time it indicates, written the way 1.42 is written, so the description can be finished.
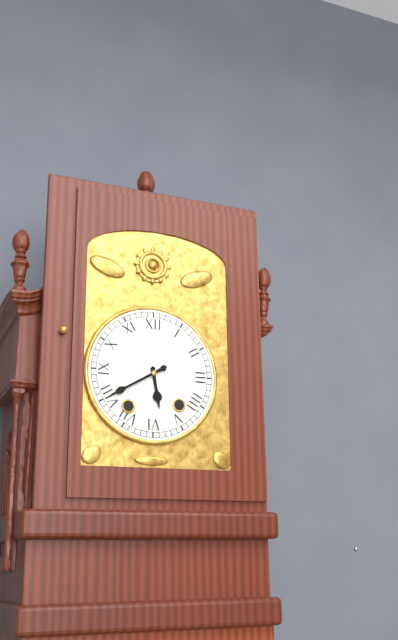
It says 5.40
